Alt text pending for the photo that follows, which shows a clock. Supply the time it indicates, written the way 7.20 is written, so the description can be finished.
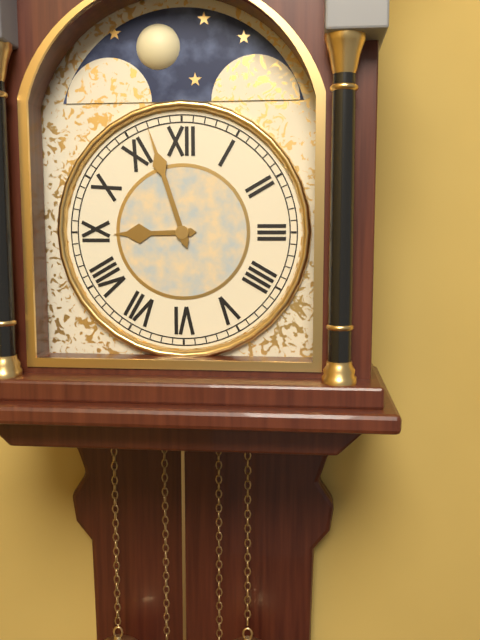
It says 8.57
